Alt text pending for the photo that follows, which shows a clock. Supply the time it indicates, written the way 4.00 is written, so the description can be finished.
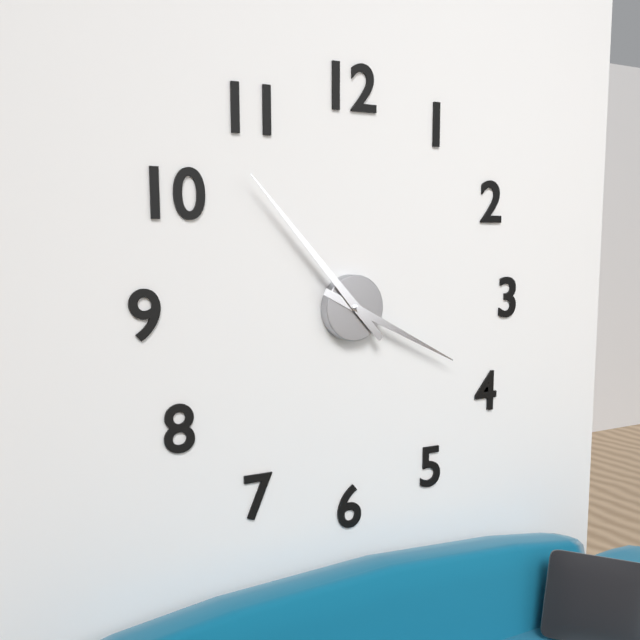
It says 3.53
